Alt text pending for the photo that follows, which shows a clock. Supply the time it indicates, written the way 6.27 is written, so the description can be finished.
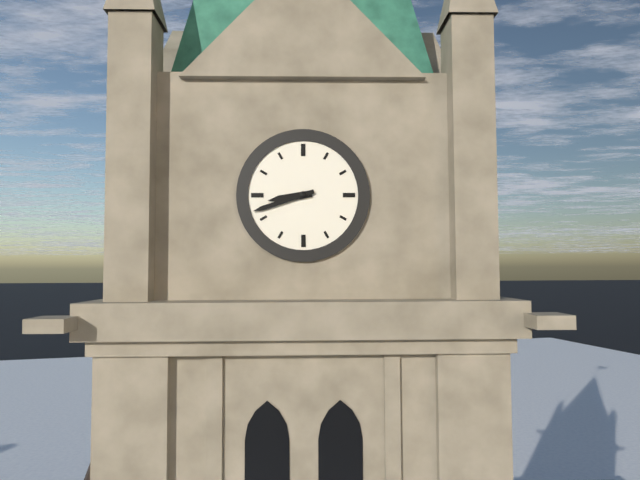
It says 8.42
